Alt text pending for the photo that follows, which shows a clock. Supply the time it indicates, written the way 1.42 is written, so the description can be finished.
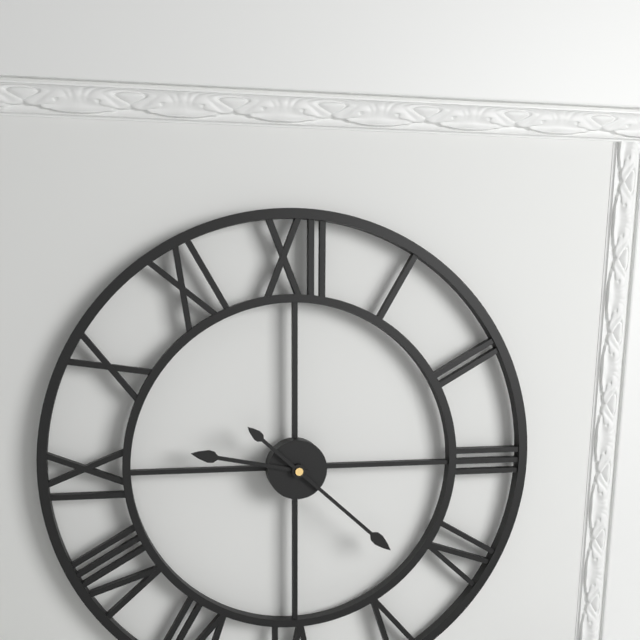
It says 9.22
